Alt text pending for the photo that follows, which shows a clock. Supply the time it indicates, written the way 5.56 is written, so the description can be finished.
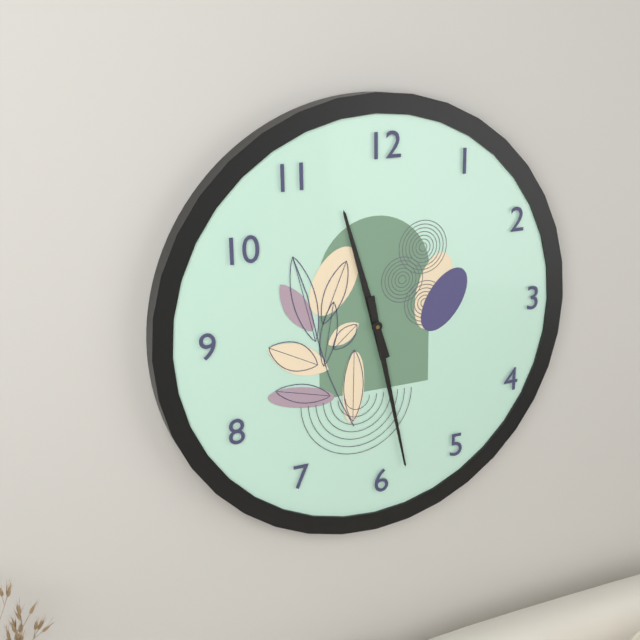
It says 11.28
